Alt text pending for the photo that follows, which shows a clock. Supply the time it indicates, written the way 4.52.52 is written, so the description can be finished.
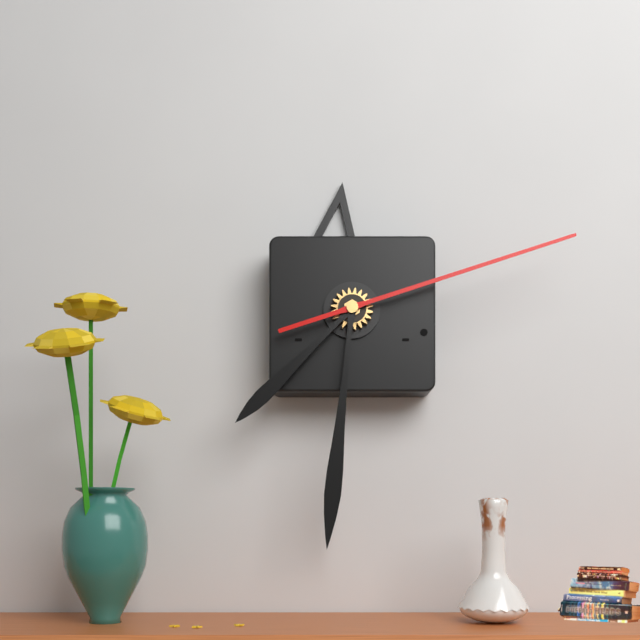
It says 7.31.12
